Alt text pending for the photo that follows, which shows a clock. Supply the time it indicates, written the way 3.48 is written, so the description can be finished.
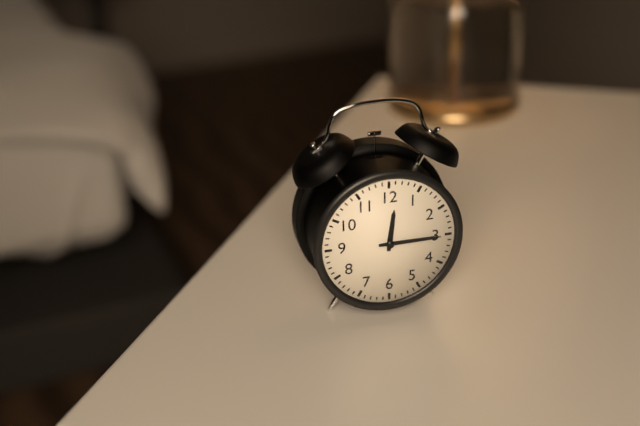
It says 12.15
